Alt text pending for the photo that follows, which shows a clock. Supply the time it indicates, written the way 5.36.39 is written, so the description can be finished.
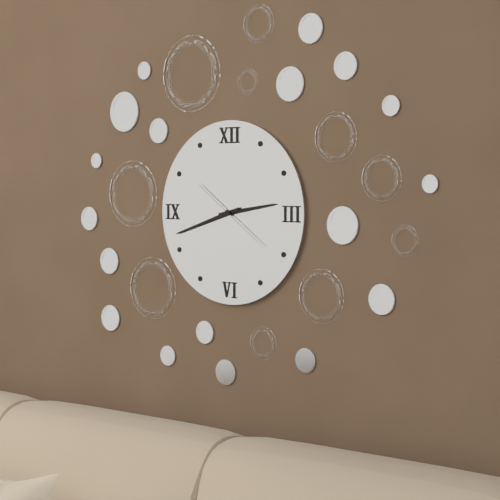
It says 2.42.21
